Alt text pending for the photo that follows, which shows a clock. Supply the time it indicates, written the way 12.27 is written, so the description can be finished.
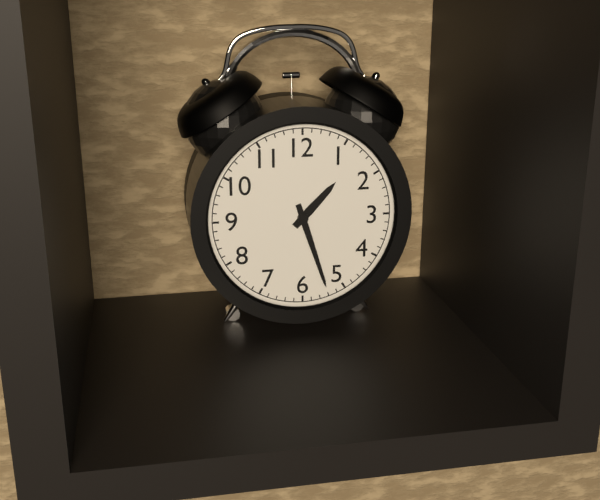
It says 1.27
